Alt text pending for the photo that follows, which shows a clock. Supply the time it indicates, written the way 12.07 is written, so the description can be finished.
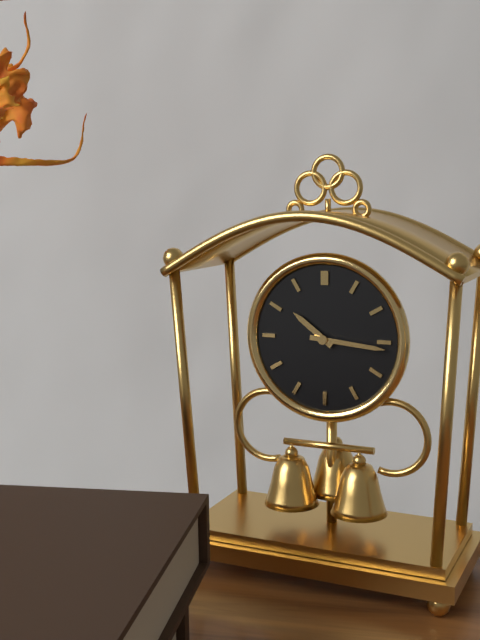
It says 10.16
